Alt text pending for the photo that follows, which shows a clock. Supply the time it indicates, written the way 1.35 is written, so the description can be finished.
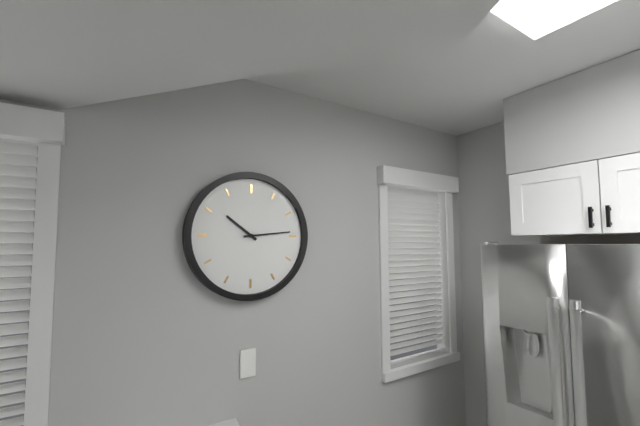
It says 10.14
